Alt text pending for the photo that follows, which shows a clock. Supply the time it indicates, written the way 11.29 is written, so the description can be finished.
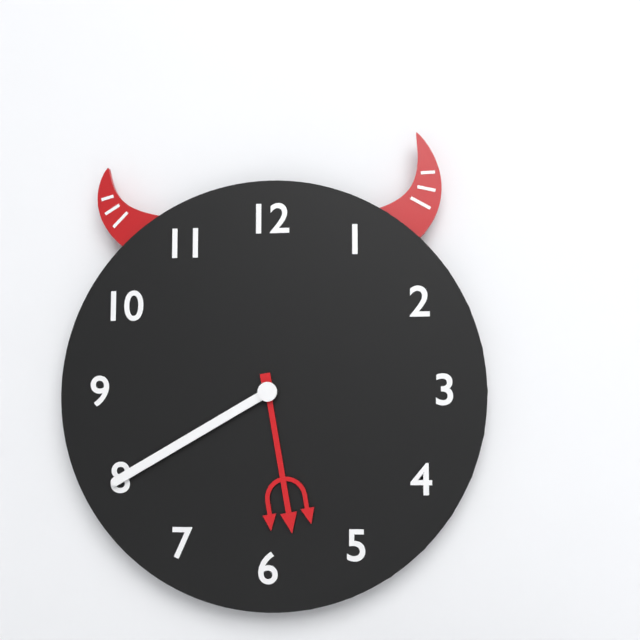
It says 5.40
